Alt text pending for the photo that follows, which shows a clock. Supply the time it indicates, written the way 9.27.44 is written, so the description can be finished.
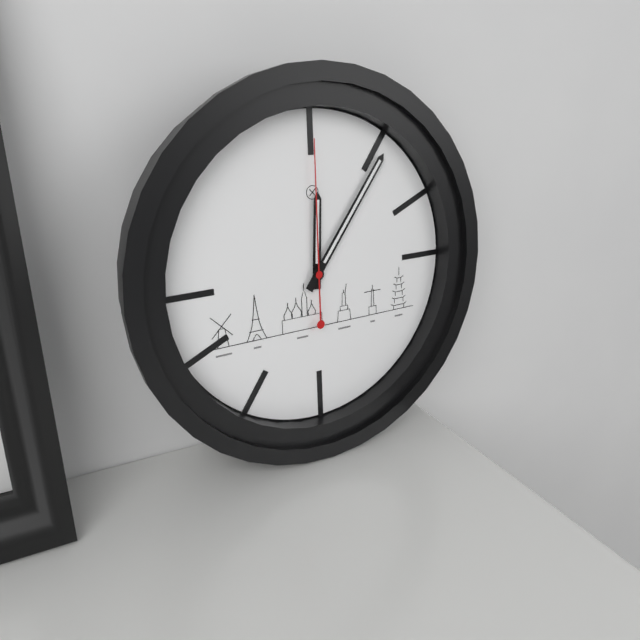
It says 12.06.00
